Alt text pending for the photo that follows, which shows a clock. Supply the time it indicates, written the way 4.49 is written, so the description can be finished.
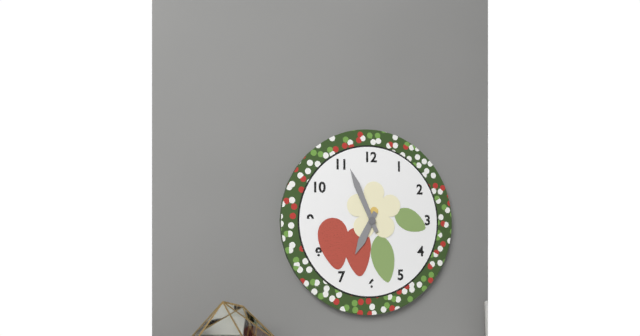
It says 6.56
